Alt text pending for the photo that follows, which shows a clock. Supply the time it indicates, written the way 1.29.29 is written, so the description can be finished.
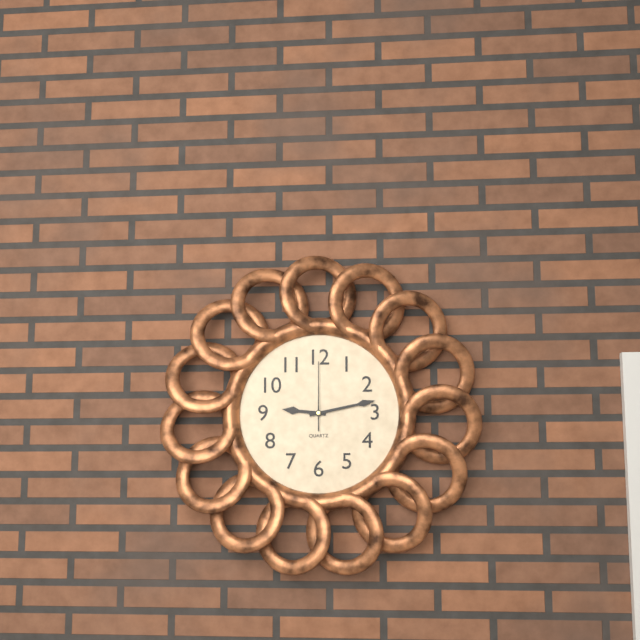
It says 9.13.00
